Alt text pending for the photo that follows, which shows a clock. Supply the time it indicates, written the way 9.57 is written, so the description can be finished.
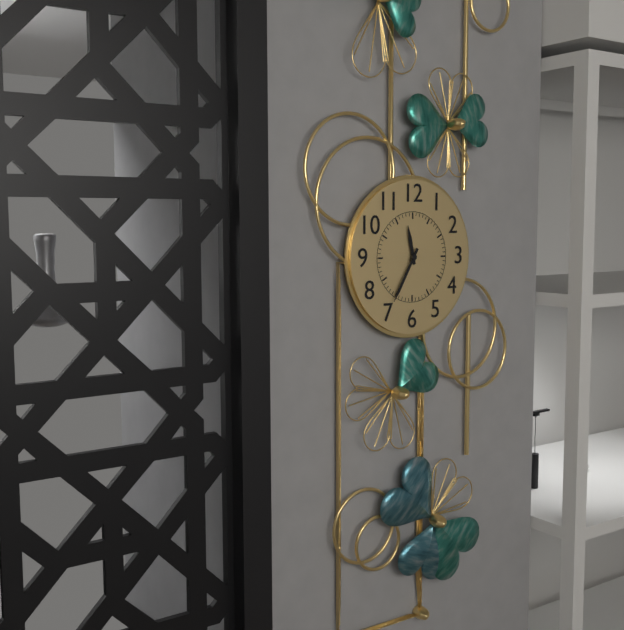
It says 11.35
